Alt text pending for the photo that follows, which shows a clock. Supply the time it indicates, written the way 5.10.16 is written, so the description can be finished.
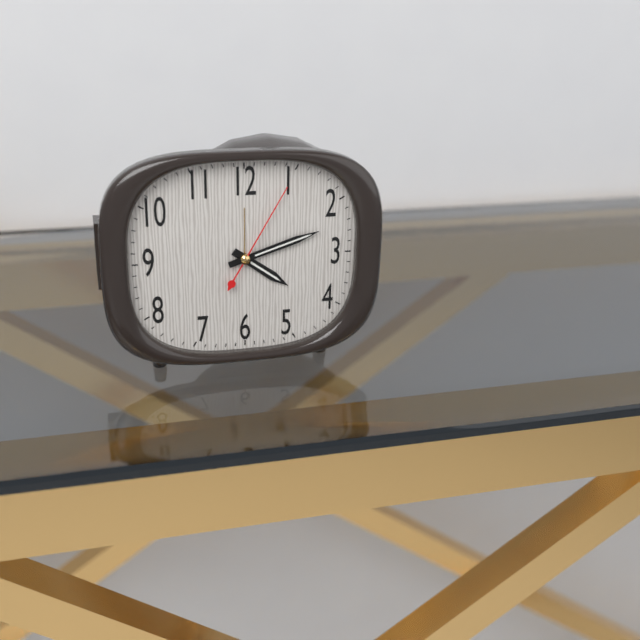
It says 4.12.05
